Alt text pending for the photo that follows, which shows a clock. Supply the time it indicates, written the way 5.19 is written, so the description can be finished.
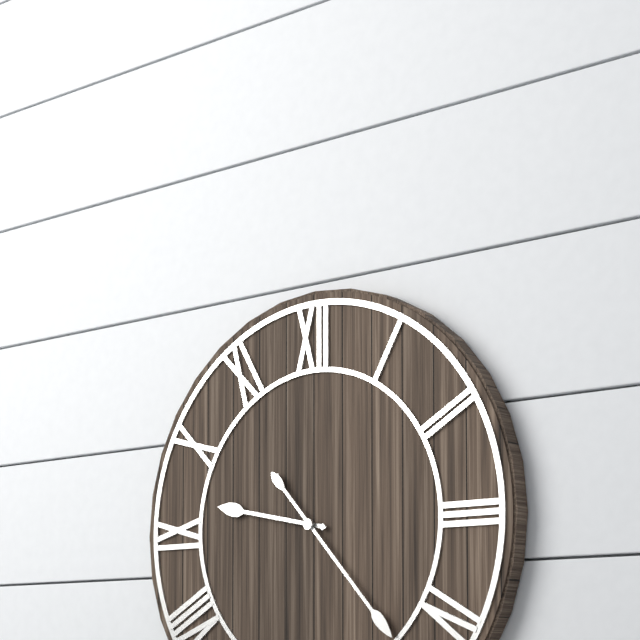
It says 9.23
